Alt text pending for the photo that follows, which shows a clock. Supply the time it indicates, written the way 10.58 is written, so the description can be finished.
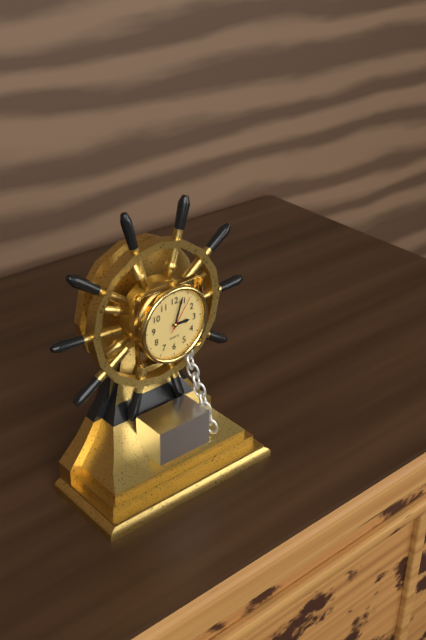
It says 3.03
